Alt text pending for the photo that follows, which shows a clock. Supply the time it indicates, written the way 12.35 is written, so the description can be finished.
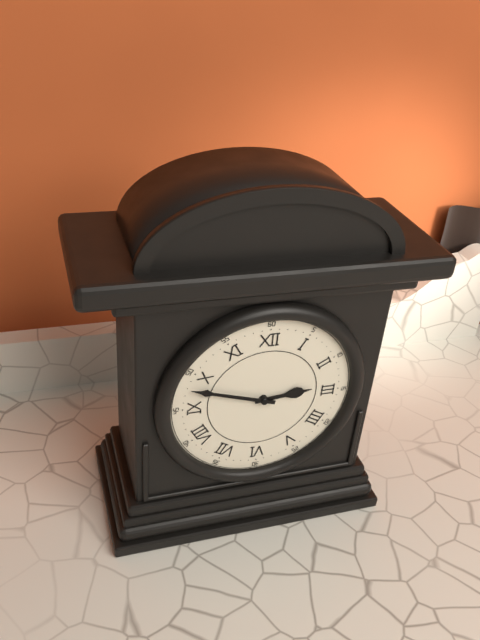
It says 2.48
